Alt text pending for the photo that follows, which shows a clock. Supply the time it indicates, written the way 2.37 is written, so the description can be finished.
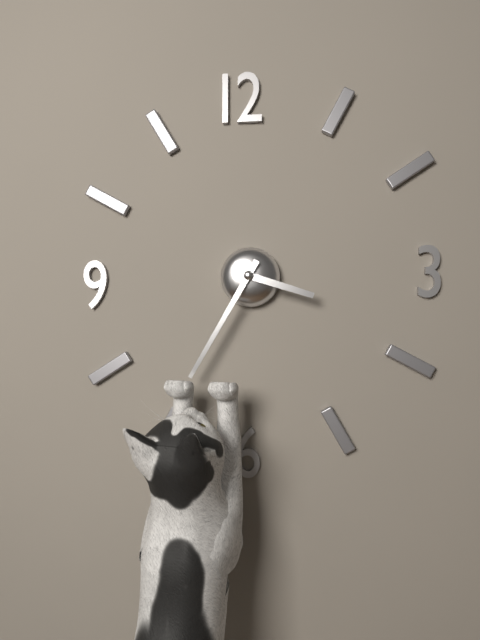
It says 3.35
